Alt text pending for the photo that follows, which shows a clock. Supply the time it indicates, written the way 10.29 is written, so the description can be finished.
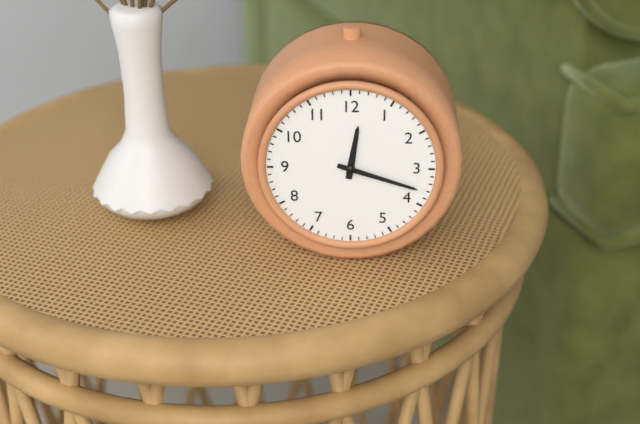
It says 12.18
